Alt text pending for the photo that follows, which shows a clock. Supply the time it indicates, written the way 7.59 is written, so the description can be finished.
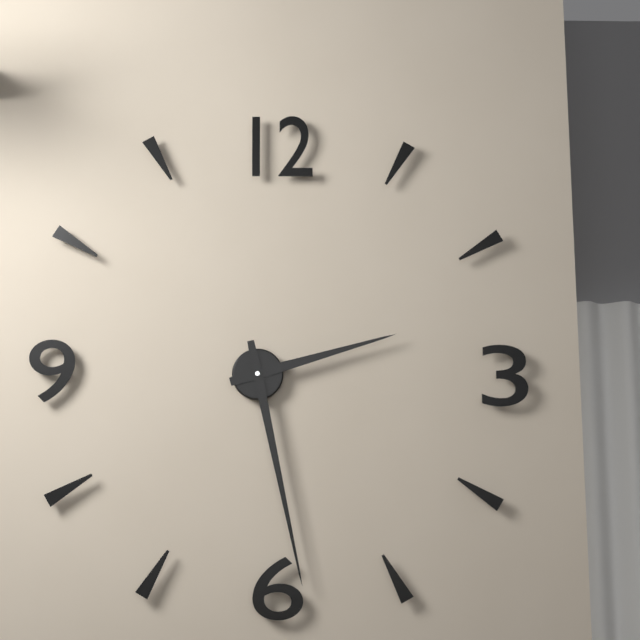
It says 2.28
